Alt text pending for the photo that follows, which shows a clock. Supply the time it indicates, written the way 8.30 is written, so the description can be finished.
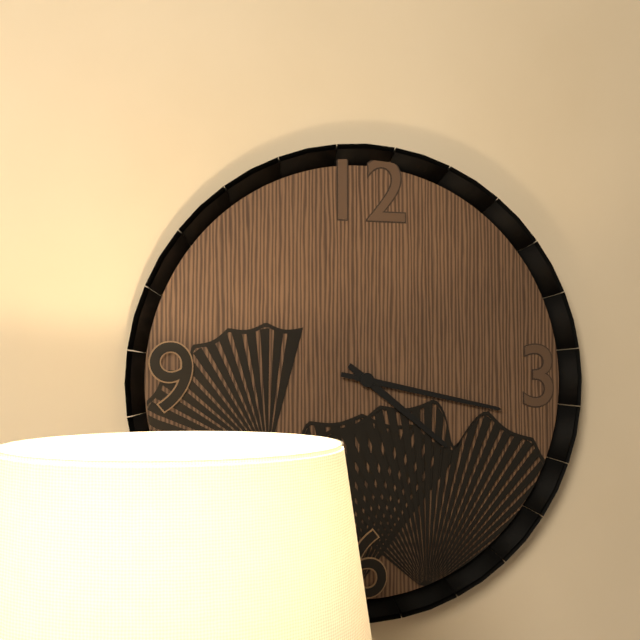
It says 4.17
